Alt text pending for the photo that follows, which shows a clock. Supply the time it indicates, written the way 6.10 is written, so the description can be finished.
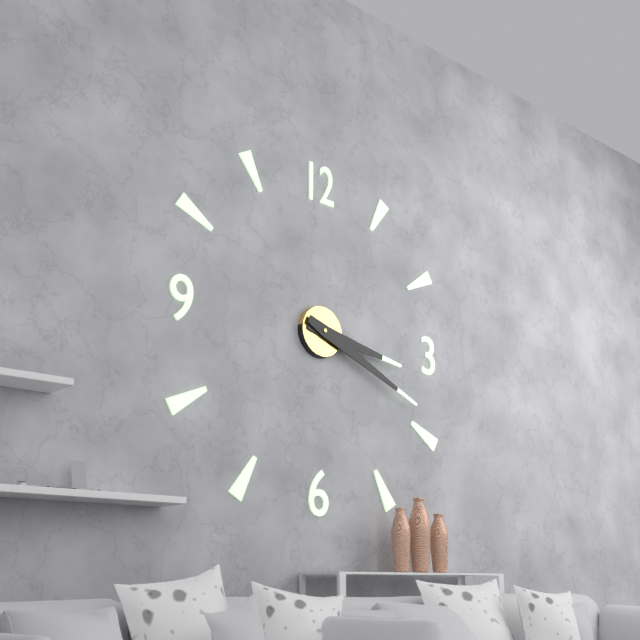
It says 3.19
